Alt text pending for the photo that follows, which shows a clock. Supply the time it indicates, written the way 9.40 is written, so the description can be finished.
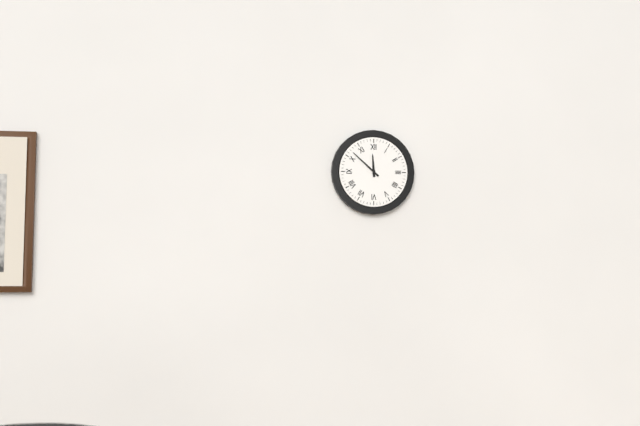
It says 11.52
